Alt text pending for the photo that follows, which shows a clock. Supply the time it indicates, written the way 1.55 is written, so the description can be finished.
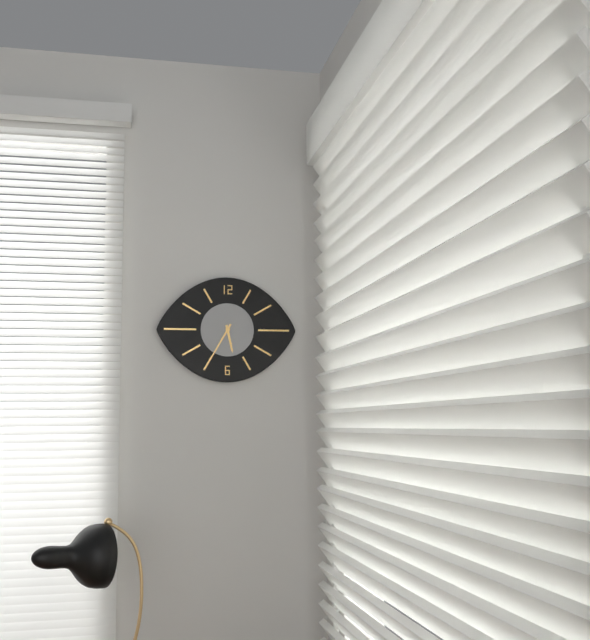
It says 5.35
